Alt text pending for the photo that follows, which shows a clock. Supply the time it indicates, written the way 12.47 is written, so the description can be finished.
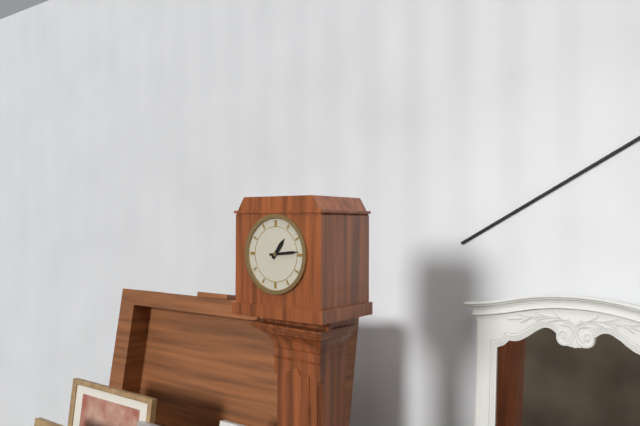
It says 1.14
